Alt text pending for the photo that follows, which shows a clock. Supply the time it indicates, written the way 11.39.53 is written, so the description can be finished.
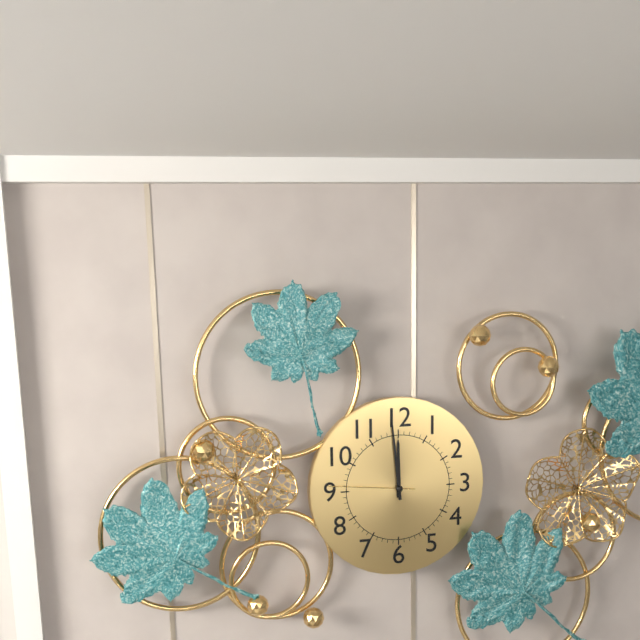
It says 11.59.46
